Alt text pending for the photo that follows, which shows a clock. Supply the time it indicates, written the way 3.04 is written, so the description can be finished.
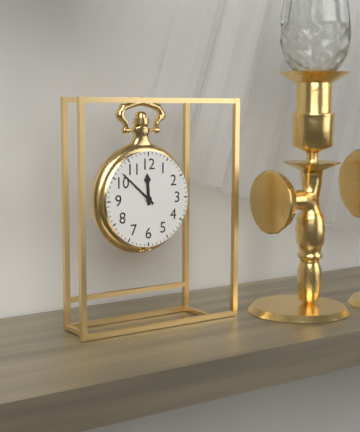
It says 11.52
